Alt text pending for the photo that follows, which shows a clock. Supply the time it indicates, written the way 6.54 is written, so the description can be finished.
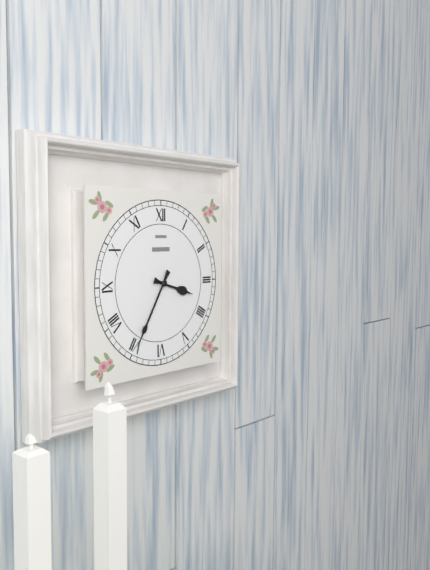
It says 3.35
